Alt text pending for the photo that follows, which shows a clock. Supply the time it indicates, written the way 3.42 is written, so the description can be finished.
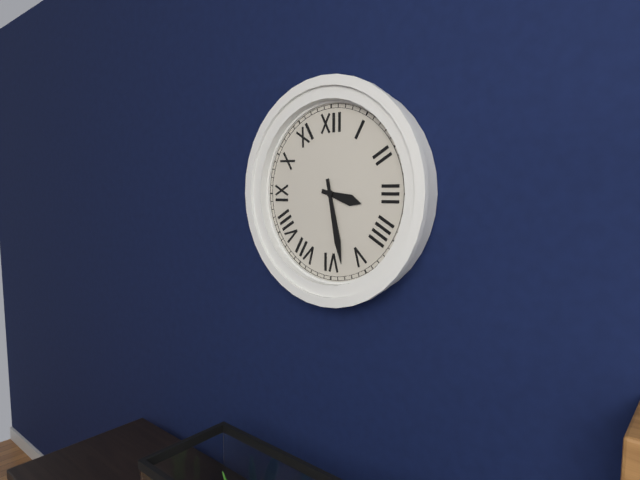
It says 3.28
